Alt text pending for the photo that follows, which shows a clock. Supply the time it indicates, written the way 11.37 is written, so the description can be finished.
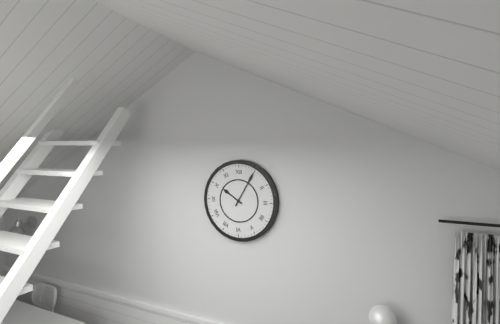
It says 10.05
